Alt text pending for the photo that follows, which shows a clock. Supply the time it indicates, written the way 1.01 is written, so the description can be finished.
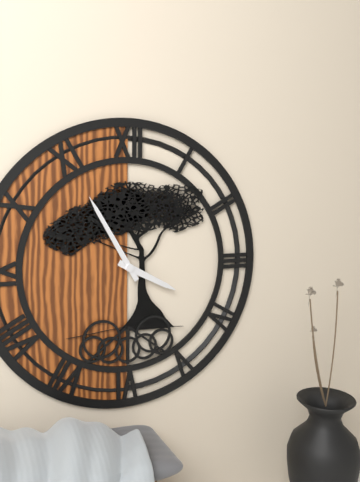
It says 3.55
